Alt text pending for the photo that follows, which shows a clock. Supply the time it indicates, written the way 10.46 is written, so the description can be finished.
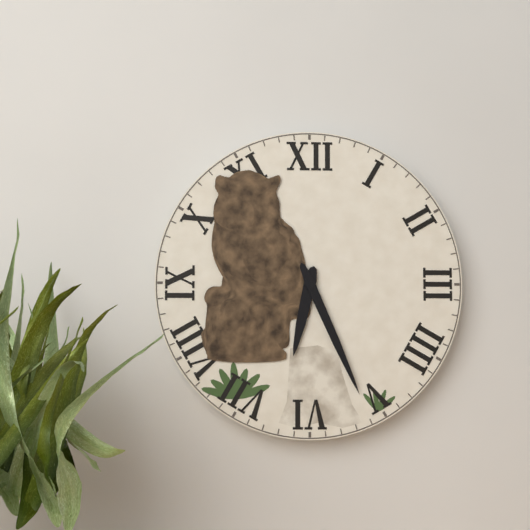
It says 6.26
